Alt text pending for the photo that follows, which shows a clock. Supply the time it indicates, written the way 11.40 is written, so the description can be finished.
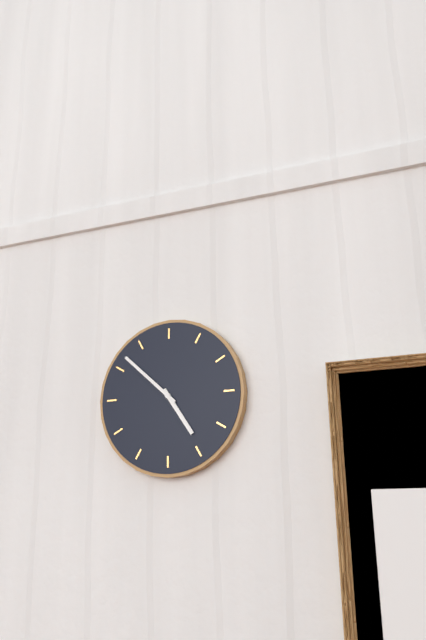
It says 4.52
